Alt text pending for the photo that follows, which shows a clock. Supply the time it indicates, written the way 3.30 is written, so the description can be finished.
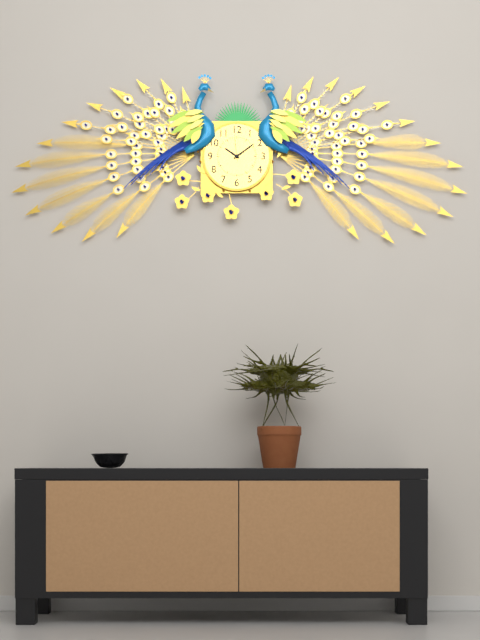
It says 10.09
